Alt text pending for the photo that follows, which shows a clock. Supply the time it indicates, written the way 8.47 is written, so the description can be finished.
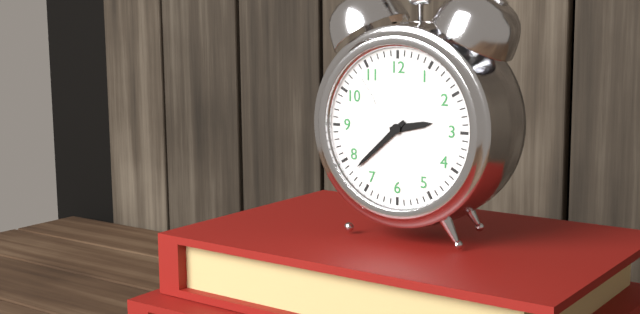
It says 2.38
